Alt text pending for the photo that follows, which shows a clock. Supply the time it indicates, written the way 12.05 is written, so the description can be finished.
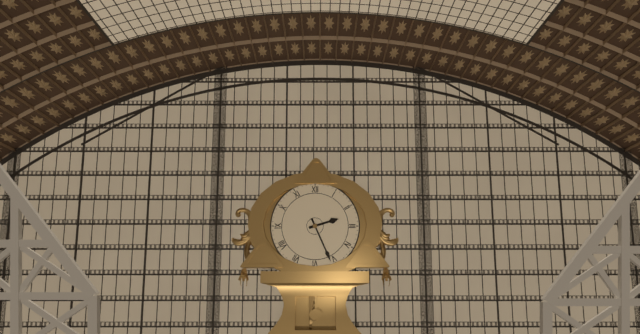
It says 2.26
